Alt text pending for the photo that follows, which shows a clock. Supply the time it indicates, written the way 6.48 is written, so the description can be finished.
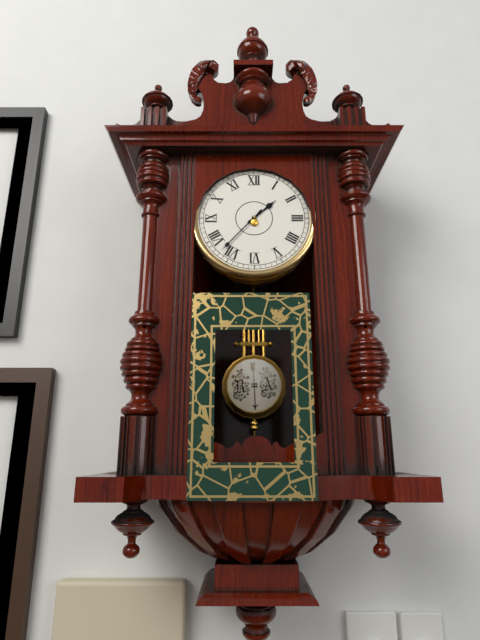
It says 1.37
